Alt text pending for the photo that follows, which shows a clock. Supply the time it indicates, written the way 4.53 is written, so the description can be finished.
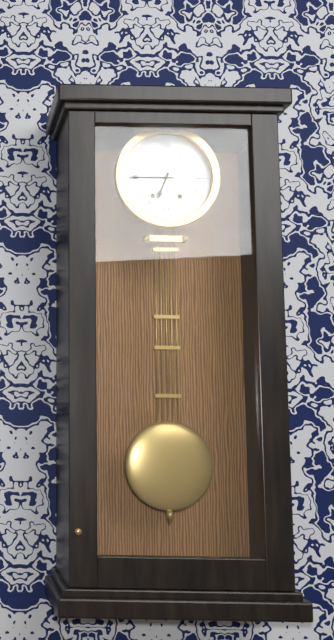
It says 6.45
